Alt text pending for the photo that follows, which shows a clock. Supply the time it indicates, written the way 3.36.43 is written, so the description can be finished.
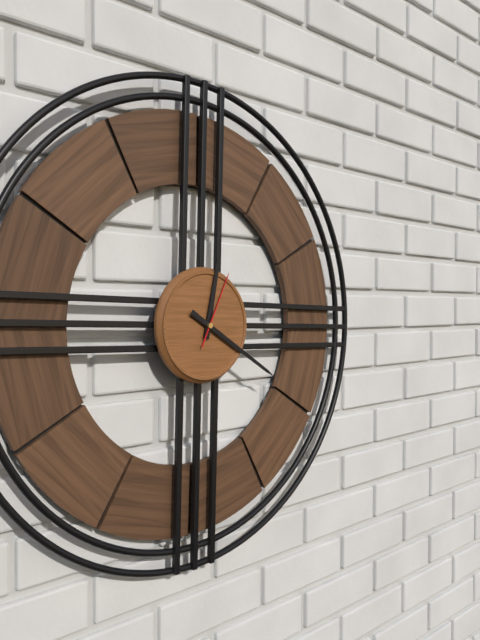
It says 12.20.04
